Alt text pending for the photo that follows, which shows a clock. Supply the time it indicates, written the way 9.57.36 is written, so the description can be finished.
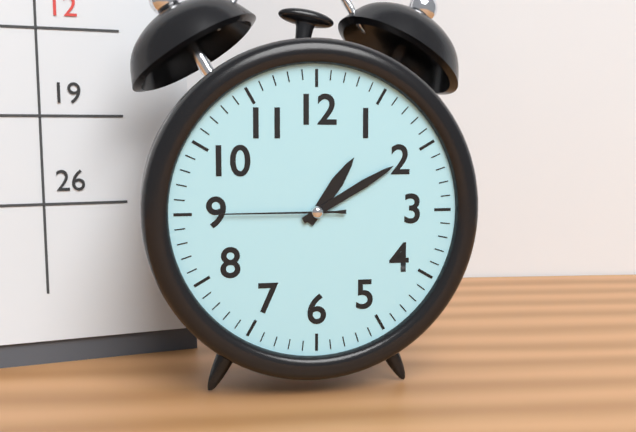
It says 1.10.45
